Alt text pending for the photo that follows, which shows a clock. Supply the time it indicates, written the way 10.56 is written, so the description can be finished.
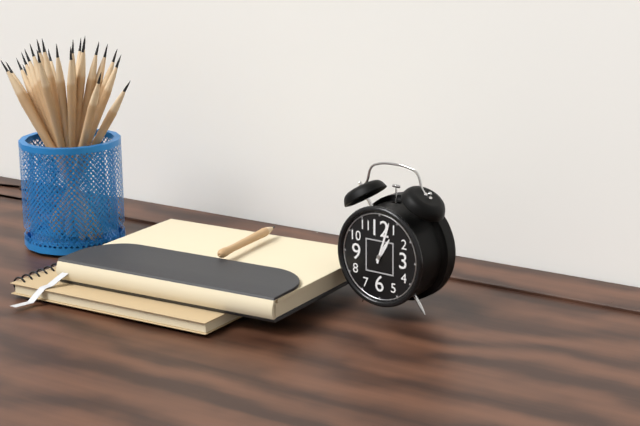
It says 1.03
